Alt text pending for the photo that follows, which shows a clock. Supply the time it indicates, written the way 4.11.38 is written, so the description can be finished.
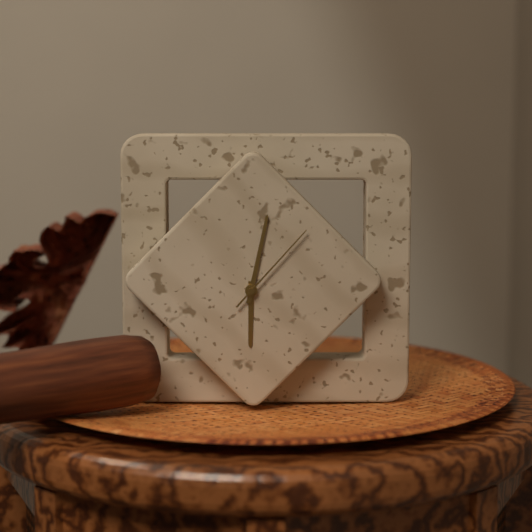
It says 6.02.07
